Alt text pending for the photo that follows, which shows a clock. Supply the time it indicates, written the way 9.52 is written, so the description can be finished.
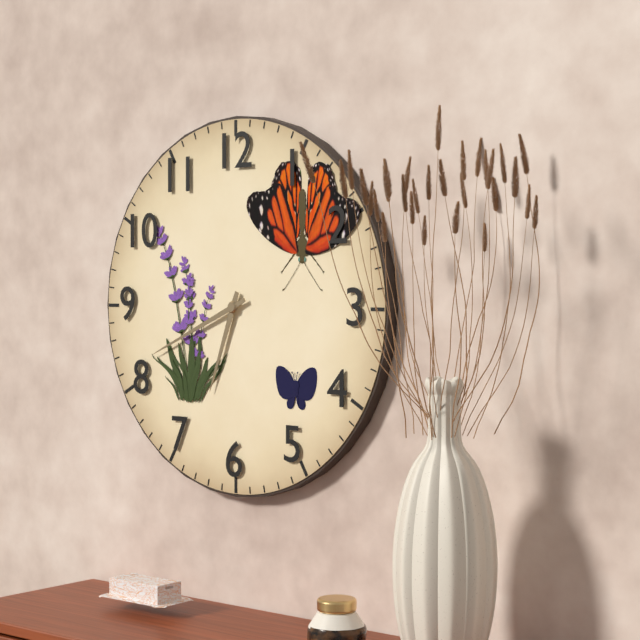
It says 6.41
